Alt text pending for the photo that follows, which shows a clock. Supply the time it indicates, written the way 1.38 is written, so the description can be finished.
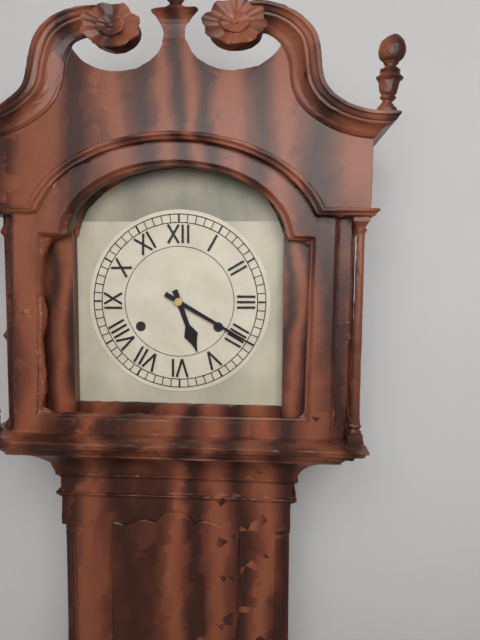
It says 5.20
